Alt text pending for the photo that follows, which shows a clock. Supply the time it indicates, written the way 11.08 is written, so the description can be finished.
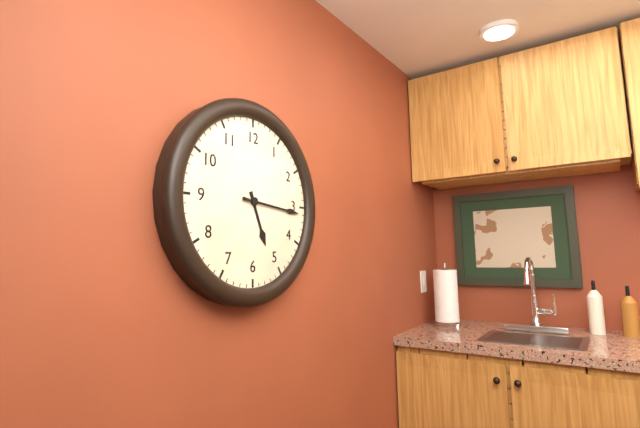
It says 5.16
